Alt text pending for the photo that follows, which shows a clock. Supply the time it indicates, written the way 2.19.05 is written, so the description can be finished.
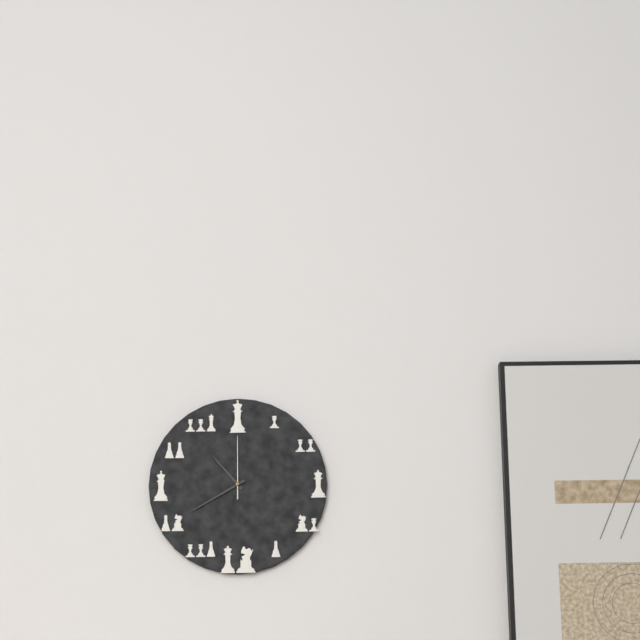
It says 10.40.00
